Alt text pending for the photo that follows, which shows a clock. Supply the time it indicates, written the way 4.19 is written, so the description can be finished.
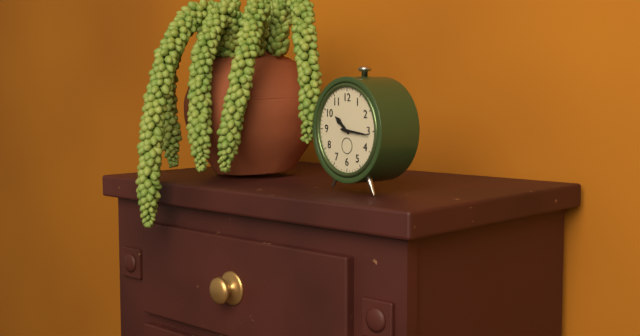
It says 10.16
